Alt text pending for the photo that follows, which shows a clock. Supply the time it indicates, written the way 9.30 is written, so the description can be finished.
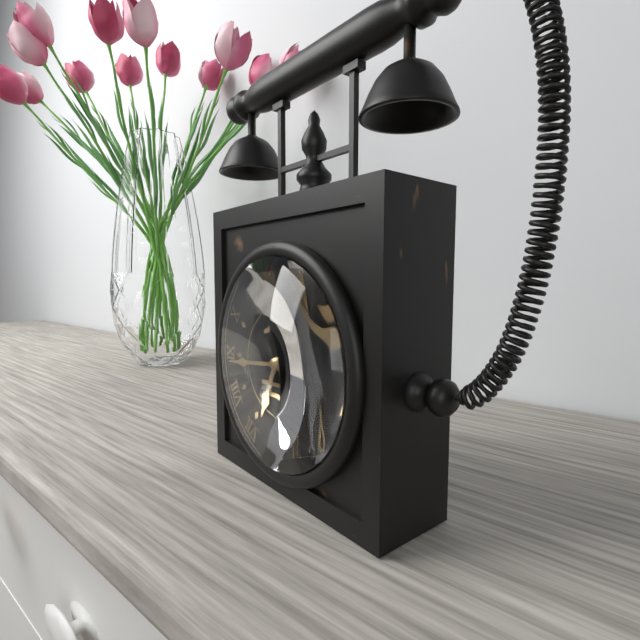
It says 6.44
